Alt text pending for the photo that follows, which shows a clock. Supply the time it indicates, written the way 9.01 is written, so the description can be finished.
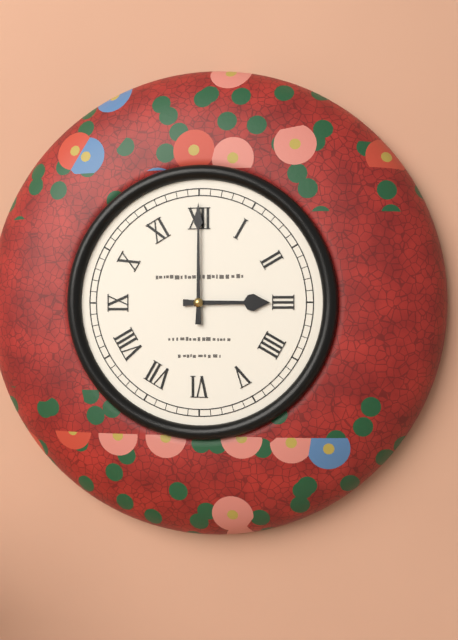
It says 3.00
